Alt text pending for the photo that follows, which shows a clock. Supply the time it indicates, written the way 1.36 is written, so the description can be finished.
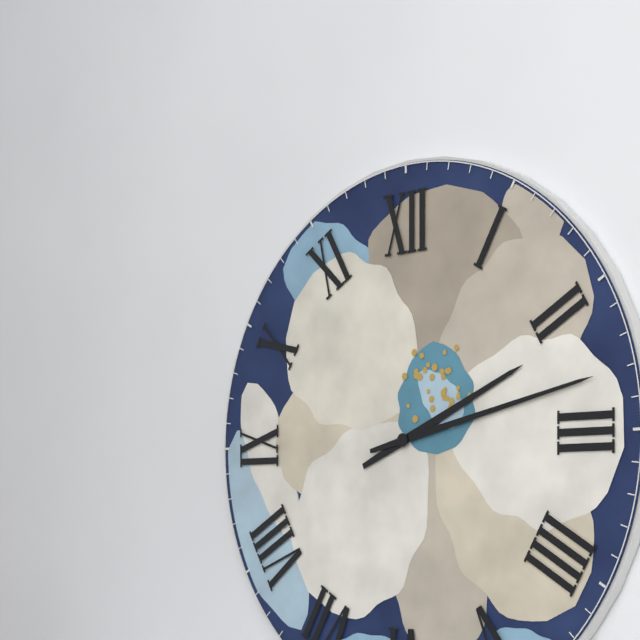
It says 2.13
